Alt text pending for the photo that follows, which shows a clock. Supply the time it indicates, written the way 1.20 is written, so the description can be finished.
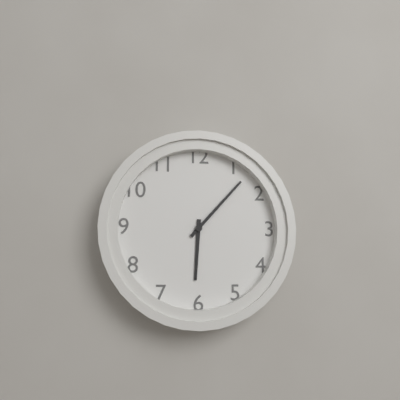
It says 6.07
